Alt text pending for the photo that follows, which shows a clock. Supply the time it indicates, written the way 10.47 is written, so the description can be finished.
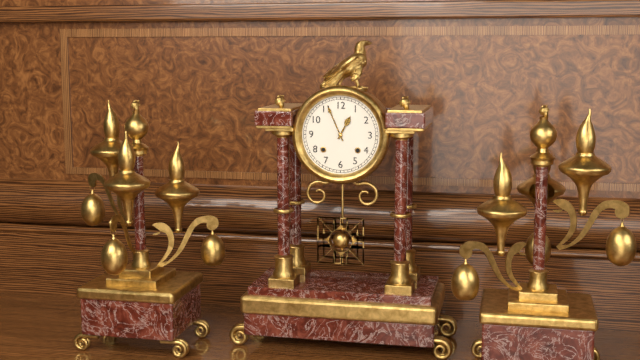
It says 12.56
